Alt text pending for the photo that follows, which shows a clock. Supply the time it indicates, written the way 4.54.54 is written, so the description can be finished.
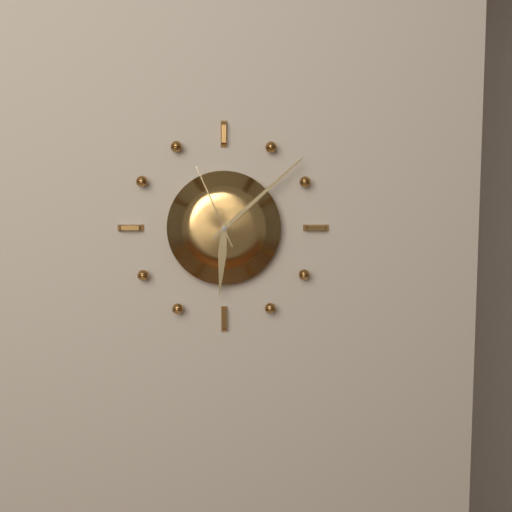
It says 6.08.56
